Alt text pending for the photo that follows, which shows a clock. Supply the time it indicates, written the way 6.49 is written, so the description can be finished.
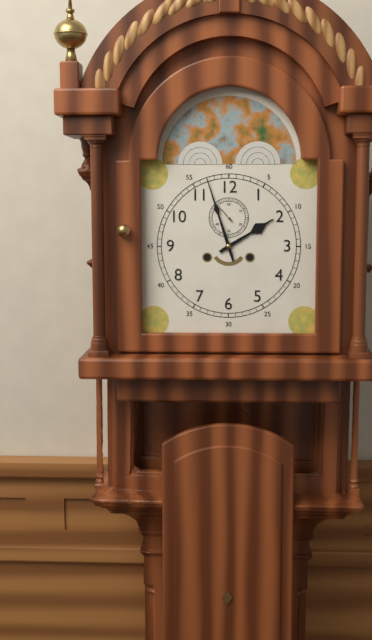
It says 1.57
